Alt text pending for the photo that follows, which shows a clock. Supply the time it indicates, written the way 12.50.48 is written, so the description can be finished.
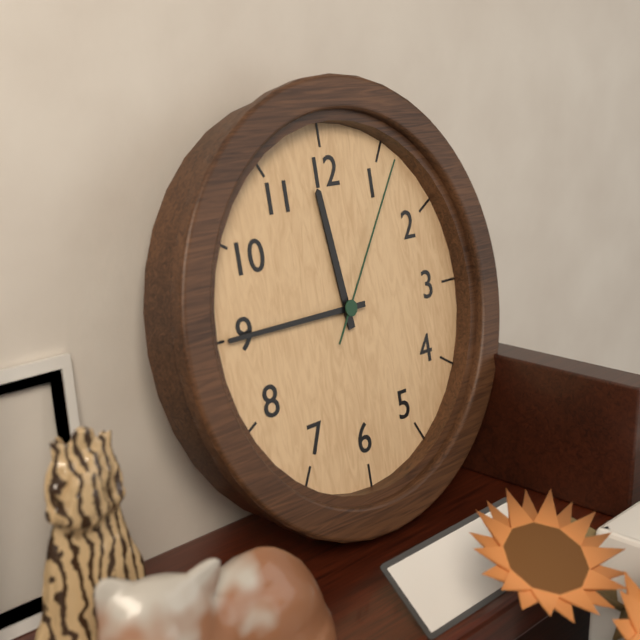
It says 11.45.06
